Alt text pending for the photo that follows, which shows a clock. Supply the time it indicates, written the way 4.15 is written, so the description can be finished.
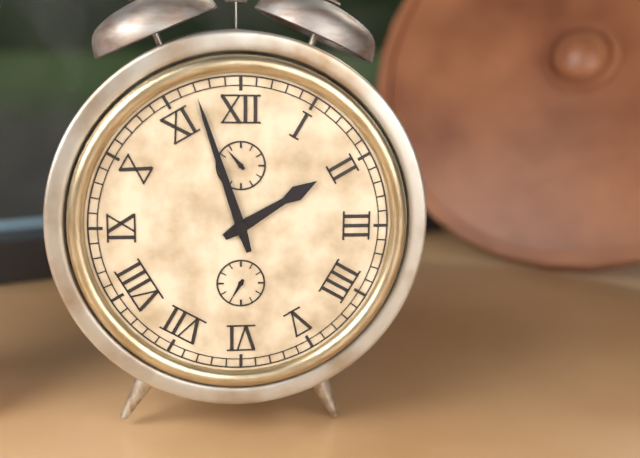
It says 1.57
